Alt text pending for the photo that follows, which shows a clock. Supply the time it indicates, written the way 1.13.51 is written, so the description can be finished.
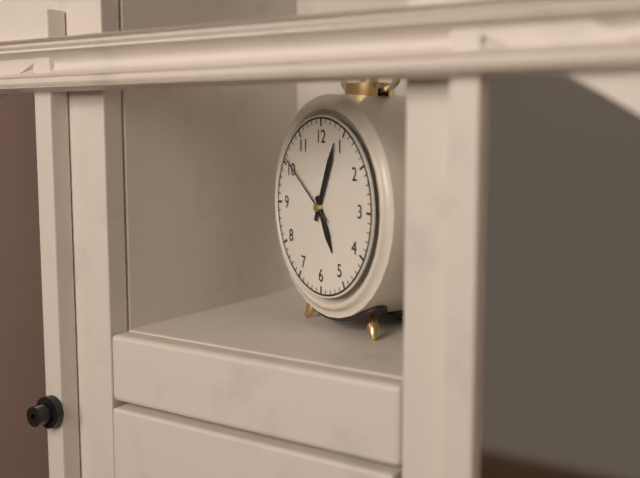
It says 5.04.51
